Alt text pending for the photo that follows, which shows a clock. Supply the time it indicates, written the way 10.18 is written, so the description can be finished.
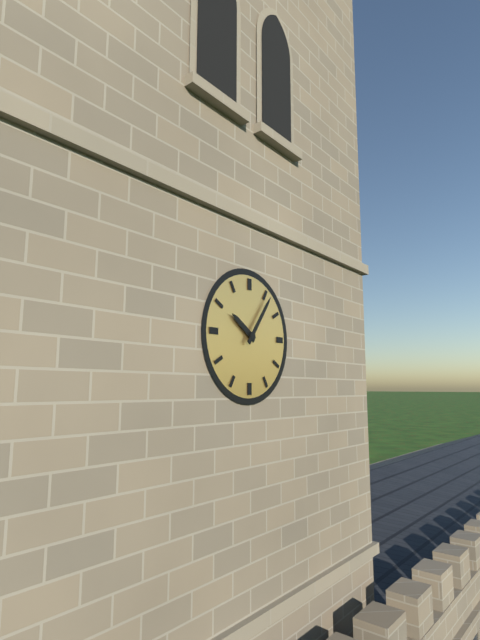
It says 10.06
